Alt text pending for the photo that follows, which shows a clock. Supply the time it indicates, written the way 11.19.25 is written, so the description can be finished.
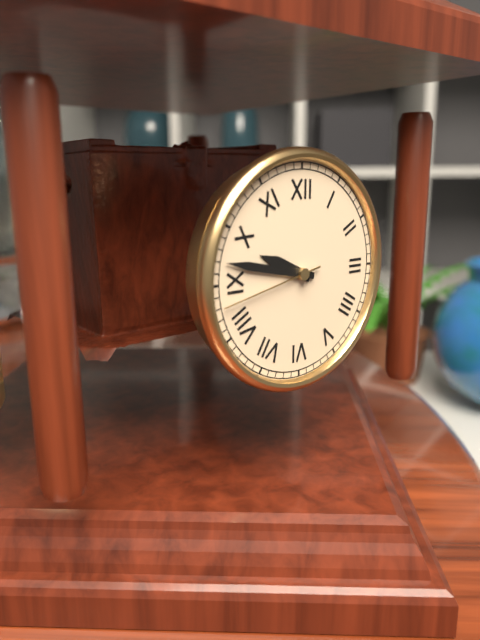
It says 9.47.43
